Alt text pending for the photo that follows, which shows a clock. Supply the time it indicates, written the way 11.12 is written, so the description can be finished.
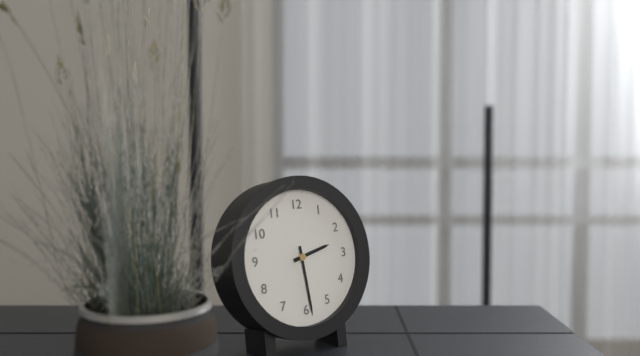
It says 2.29
